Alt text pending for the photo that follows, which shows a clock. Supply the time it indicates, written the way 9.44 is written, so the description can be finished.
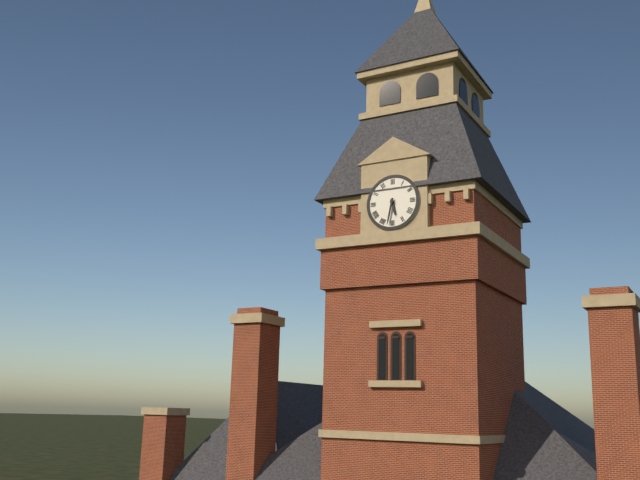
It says 5.32
